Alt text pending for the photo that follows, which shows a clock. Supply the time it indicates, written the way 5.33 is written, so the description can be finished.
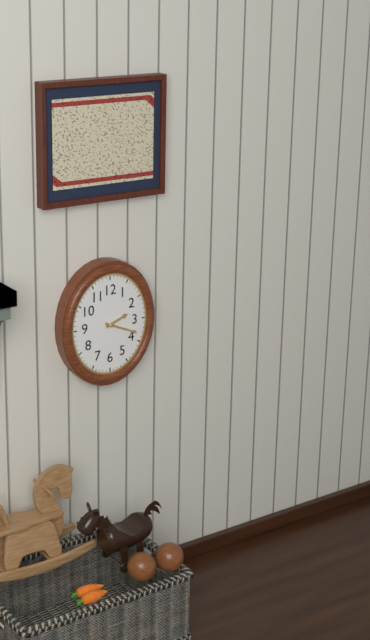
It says 2.19
